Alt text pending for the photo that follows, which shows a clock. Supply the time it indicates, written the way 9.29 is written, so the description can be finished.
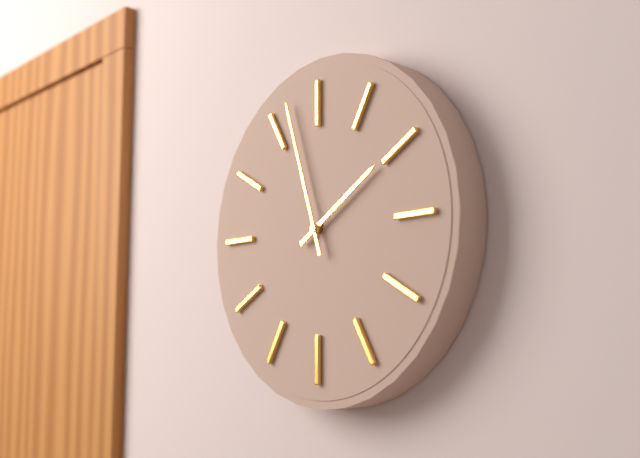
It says 1.57
